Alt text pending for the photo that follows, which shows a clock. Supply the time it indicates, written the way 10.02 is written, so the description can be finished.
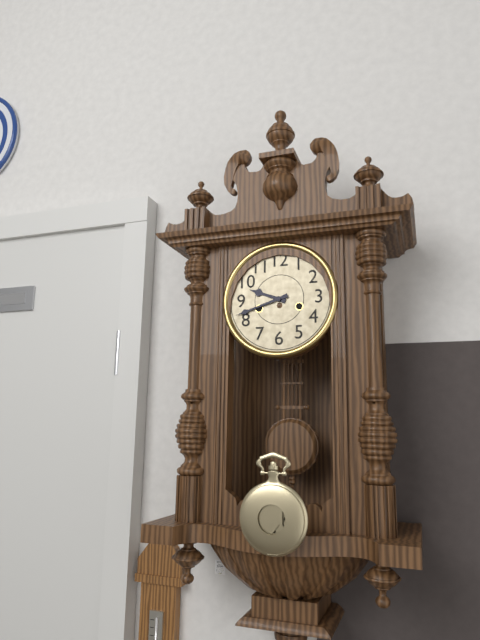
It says 9.42
